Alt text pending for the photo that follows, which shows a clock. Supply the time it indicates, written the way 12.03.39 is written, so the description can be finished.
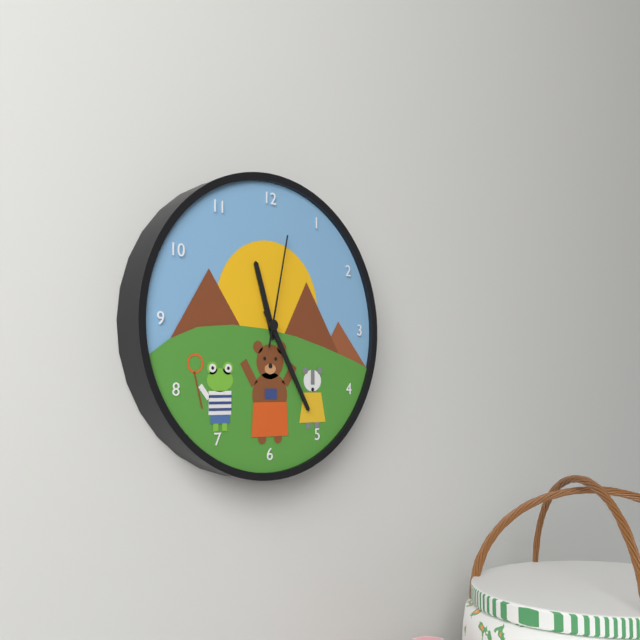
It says 11.25.02
